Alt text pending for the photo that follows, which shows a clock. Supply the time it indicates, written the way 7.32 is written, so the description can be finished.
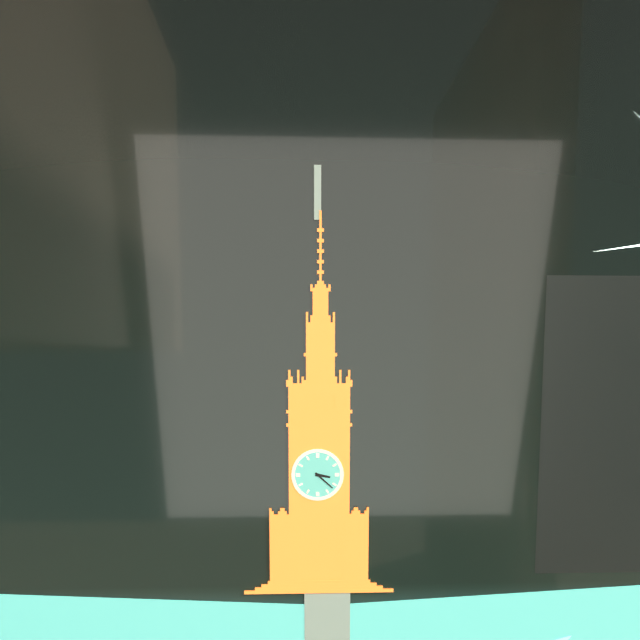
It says 3.22
